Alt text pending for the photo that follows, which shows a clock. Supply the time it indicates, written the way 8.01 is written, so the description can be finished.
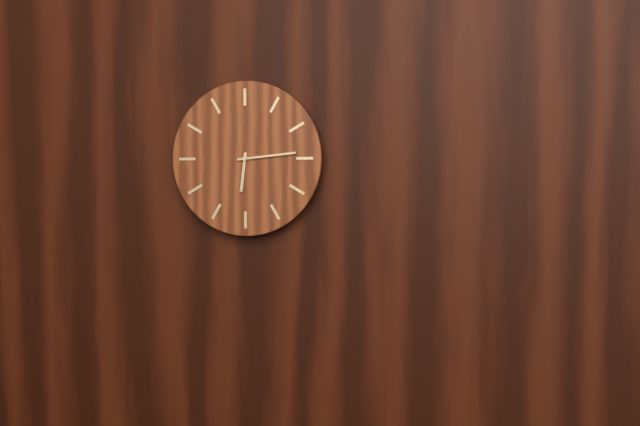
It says 6.14
